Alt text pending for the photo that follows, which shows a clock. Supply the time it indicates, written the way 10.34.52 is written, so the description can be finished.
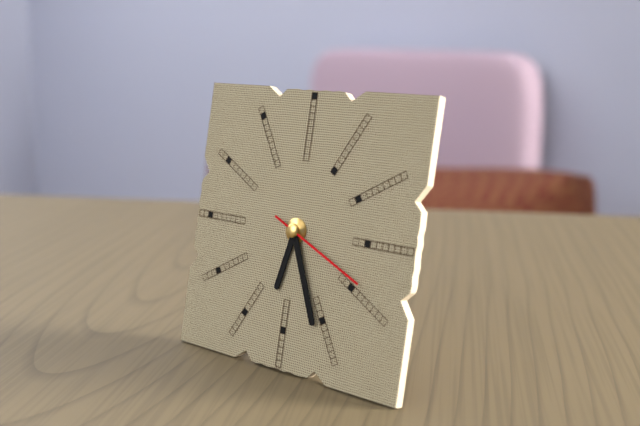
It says 6.26.19
